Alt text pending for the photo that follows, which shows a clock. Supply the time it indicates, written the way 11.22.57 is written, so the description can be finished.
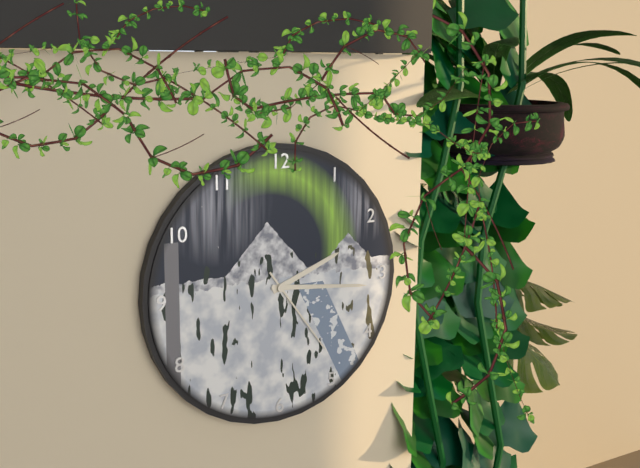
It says 2.16.24
